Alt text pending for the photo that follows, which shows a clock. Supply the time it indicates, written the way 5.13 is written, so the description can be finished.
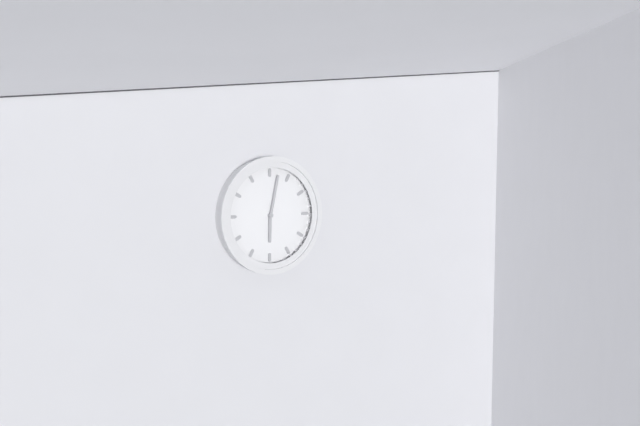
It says 6.02
